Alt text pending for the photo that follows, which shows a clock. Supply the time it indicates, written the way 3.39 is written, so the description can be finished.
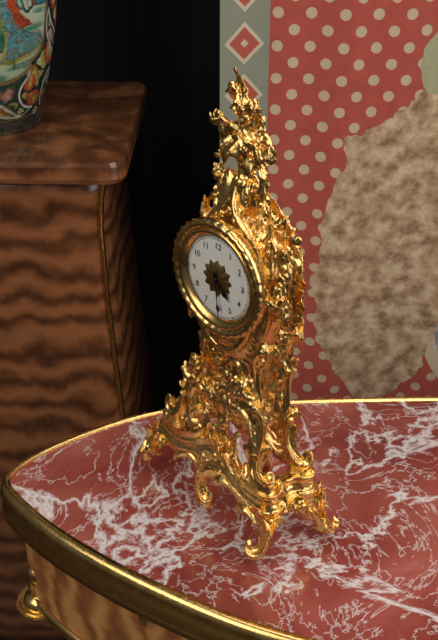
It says 4.29
